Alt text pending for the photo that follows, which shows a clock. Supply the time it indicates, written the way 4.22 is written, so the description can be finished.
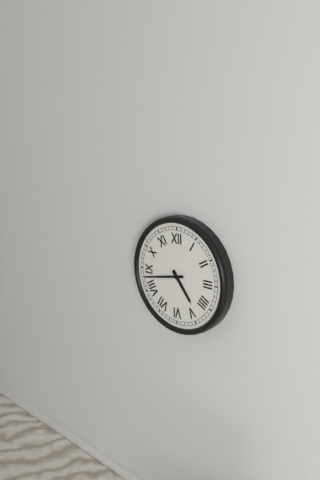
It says 4.43
